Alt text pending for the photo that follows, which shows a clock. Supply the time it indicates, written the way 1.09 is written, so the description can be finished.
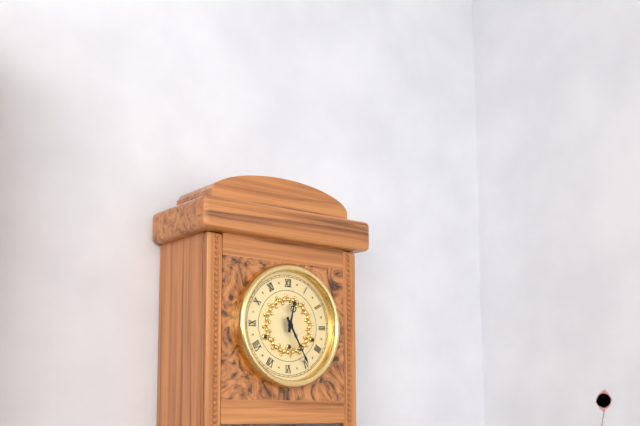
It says 12.25
